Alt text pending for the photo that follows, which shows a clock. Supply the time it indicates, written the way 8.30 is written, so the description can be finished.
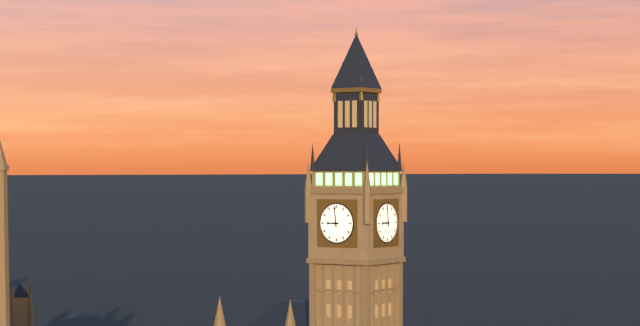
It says 8.59
